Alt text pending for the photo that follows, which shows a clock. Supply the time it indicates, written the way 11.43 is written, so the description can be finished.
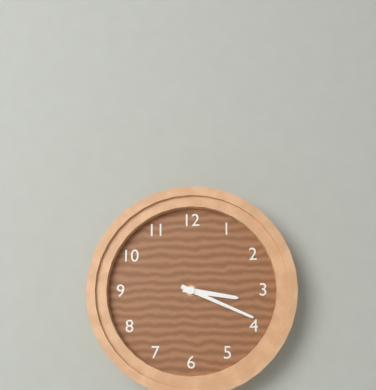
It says 3.19
